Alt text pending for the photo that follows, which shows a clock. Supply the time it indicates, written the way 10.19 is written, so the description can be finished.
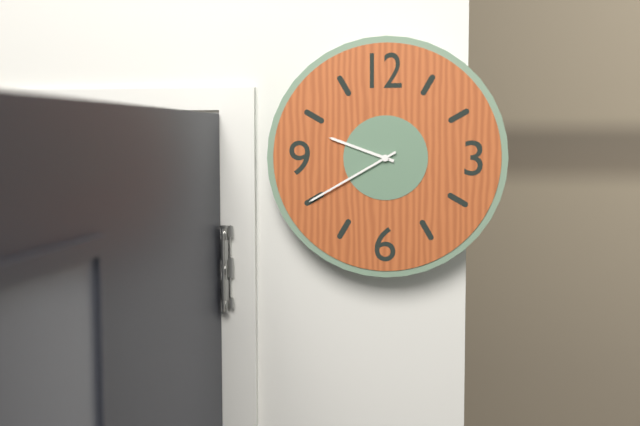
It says 9.40
